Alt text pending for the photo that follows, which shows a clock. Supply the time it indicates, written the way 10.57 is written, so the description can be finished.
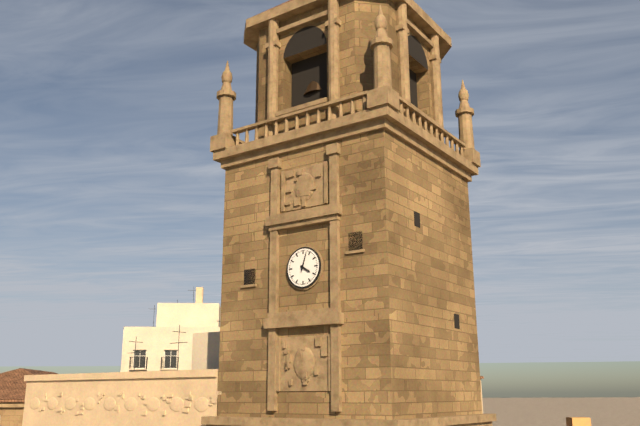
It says 4.03
